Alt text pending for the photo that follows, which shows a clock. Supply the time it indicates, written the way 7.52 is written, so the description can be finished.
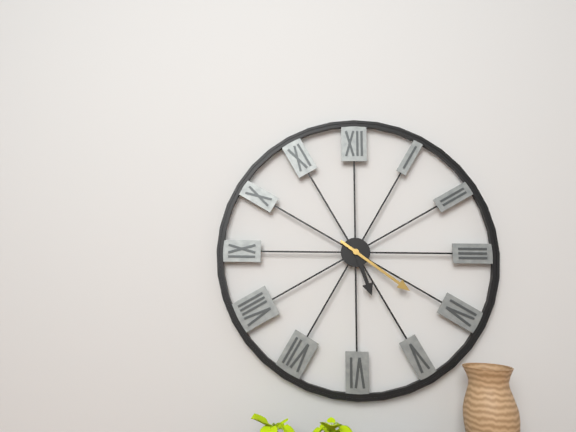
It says 5.21
